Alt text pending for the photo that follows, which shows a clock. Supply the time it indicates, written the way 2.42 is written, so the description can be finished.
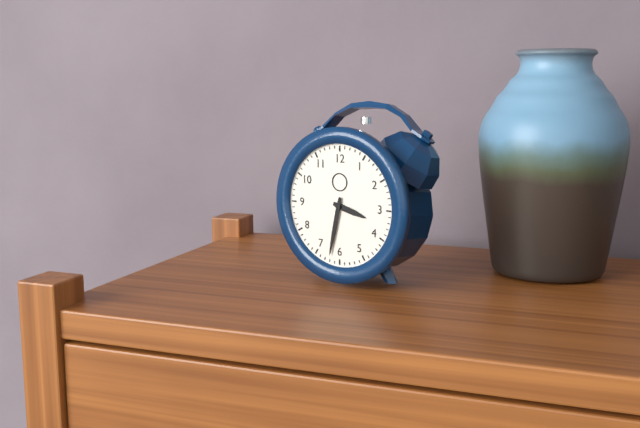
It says 3.32
